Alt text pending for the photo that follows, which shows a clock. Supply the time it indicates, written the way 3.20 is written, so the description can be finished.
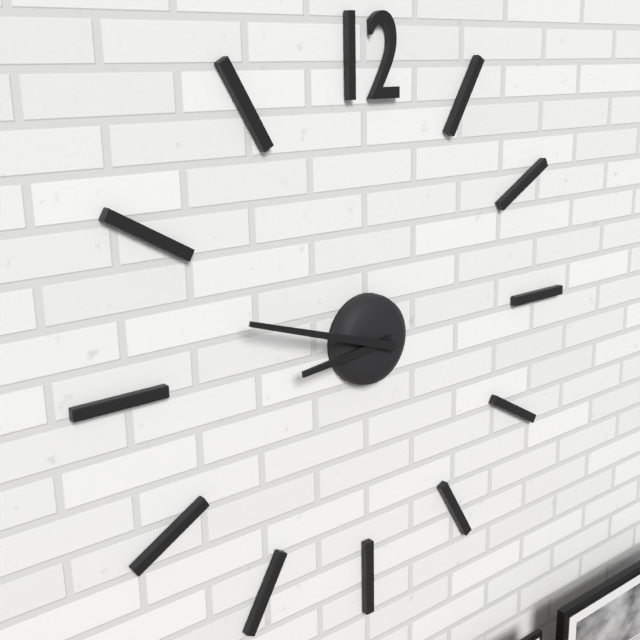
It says 8.48
